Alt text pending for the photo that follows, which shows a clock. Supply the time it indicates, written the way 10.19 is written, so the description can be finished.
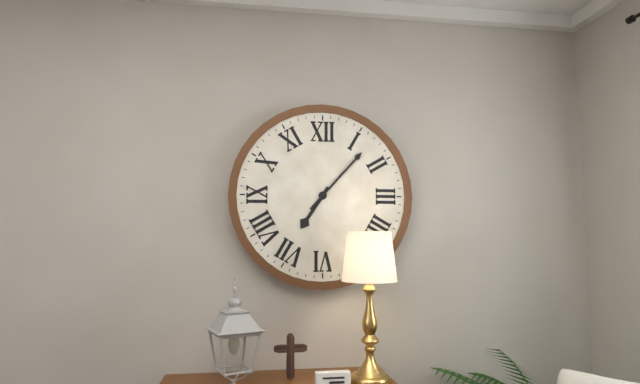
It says 7.07
